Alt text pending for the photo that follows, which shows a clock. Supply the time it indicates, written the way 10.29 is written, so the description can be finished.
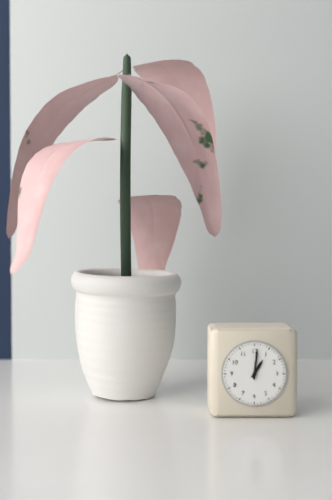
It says 1.01
